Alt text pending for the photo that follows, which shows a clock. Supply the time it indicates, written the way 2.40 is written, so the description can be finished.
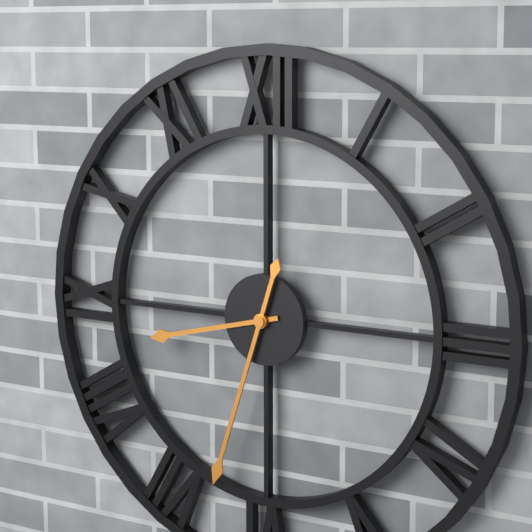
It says 8.33
